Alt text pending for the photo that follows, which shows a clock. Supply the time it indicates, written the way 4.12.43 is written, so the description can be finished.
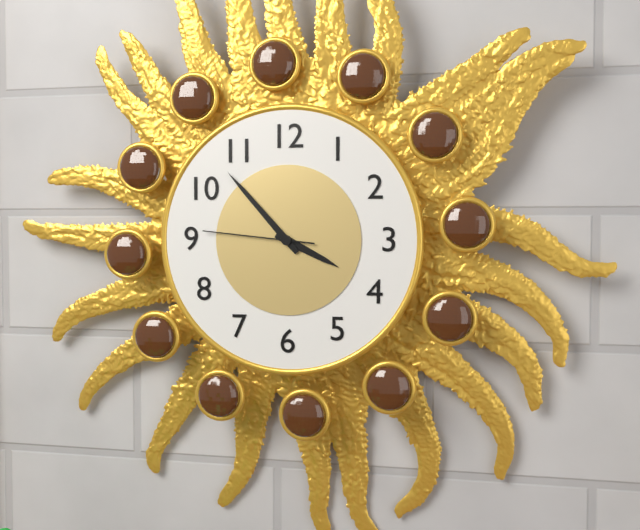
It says 3.53.46
